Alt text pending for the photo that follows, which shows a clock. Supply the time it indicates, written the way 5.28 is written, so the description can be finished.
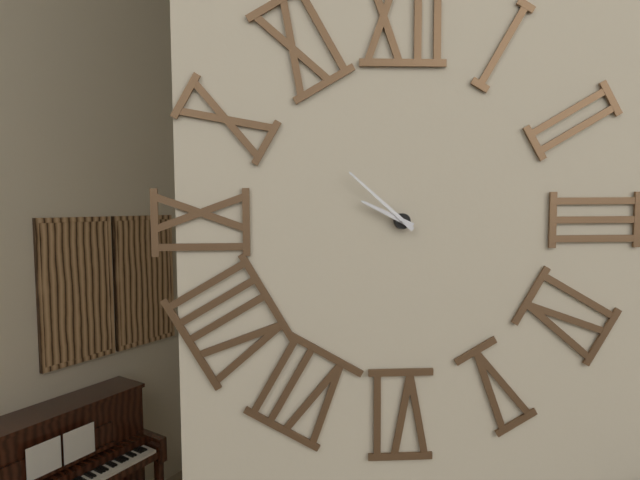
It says 9.52
